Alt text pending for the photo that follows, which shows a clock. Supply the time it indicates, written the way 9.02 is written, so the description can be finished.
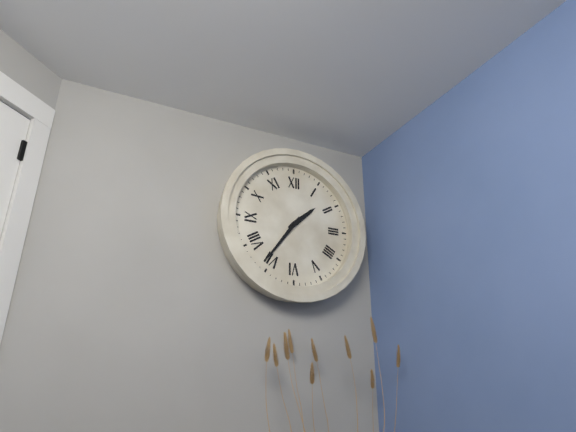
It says 1.36
